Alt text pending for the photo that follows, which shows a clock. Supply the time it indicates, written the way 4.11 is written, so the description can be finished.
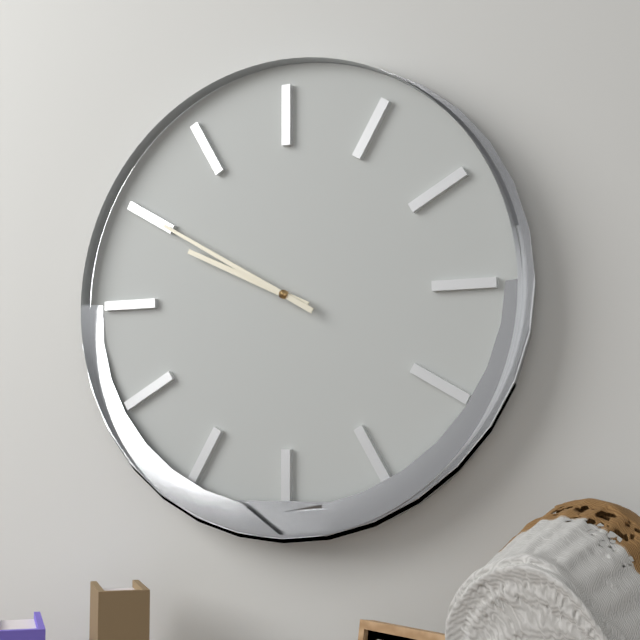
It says 9.50
